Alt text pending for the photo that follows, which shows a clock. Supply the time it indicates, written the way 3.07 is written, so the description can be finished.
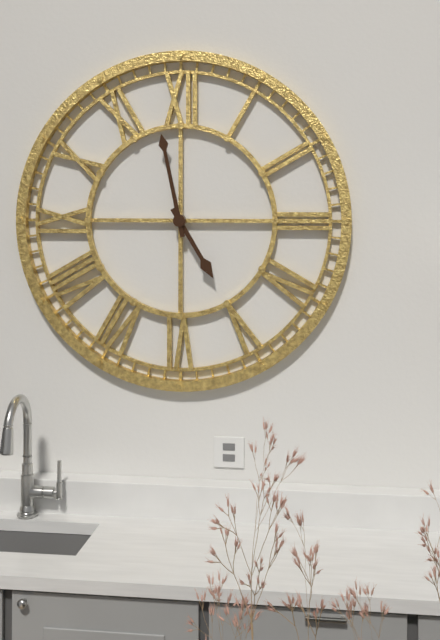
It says 4.58
